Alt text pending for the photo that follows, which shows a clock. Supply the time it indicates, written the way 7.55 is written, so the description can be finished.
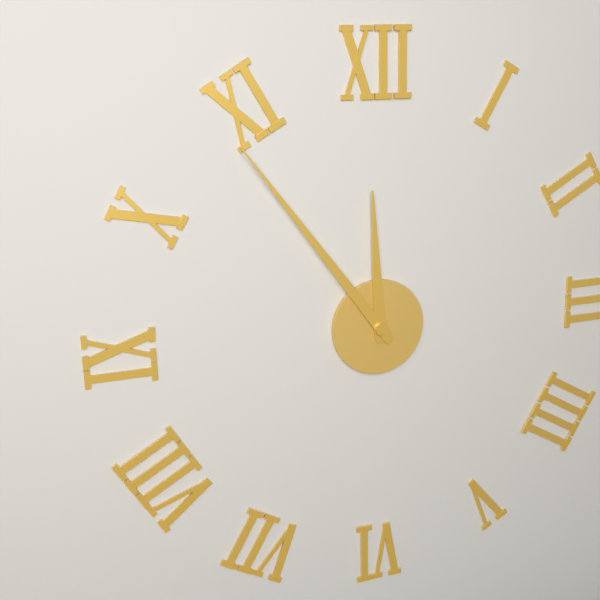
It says 11.54
